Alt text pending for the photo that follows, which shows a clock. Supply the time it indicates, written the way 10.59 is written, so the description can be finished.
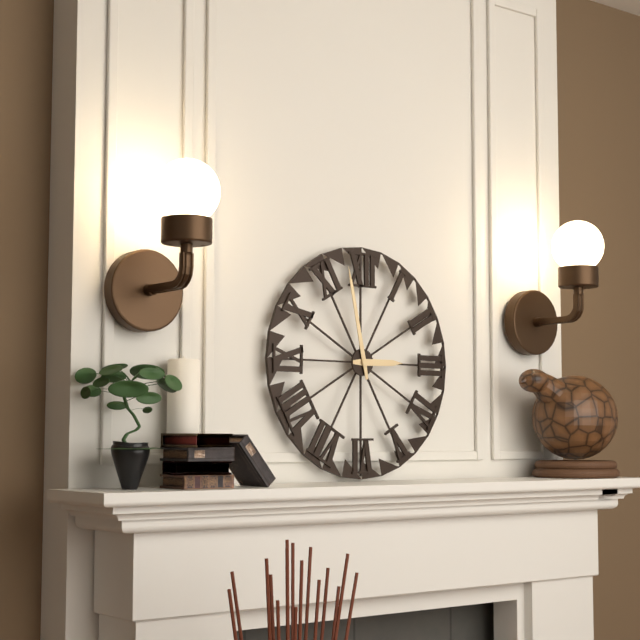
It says 2.58
